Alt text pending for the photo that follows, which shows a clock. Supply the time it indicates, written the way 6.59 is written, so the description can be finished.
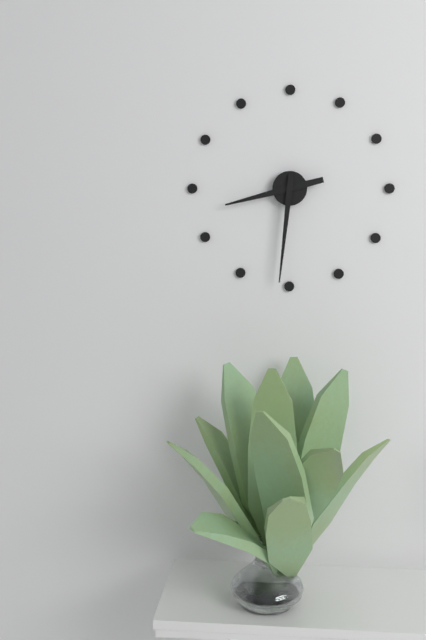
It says 8.31
